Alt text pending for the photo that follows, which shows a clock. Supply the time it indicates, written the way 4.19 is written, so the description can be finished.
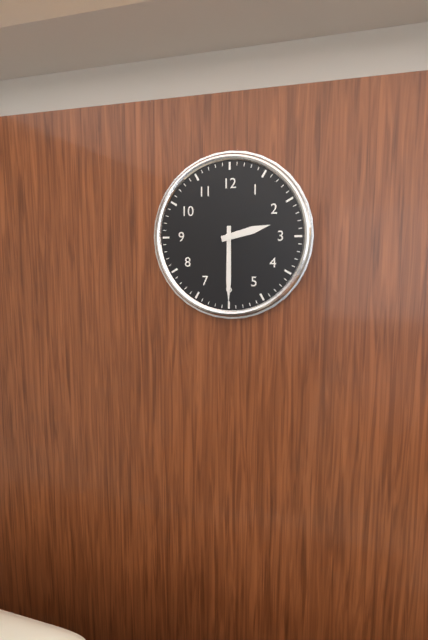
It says 2.30
